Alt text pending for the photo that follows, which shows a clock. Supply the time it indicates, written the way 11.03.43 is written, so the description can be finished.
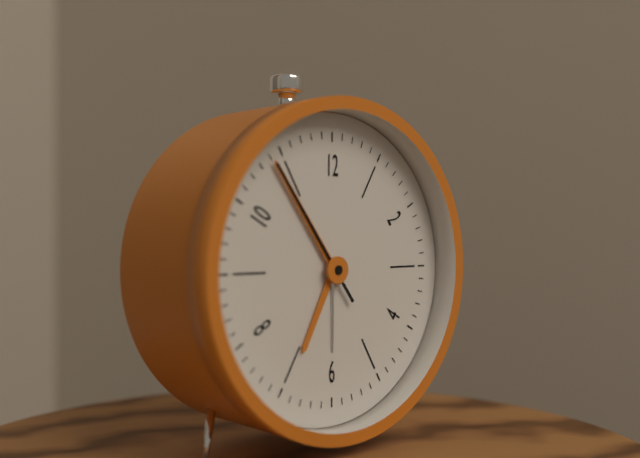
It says 6.54.54
